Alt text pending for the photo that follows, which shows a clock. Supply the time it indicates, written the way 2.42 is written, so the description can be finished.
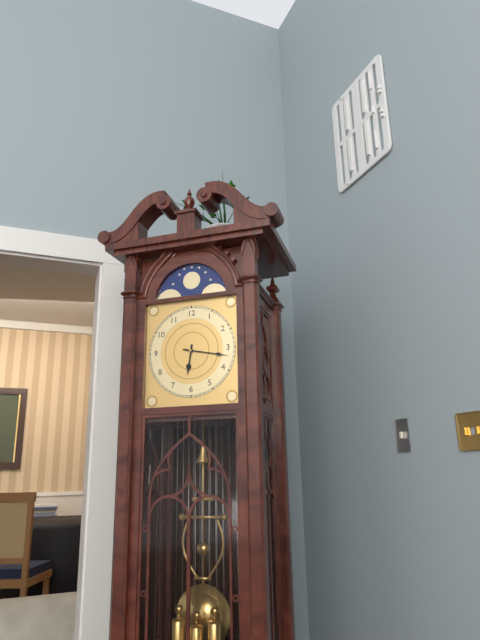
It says 6.17
